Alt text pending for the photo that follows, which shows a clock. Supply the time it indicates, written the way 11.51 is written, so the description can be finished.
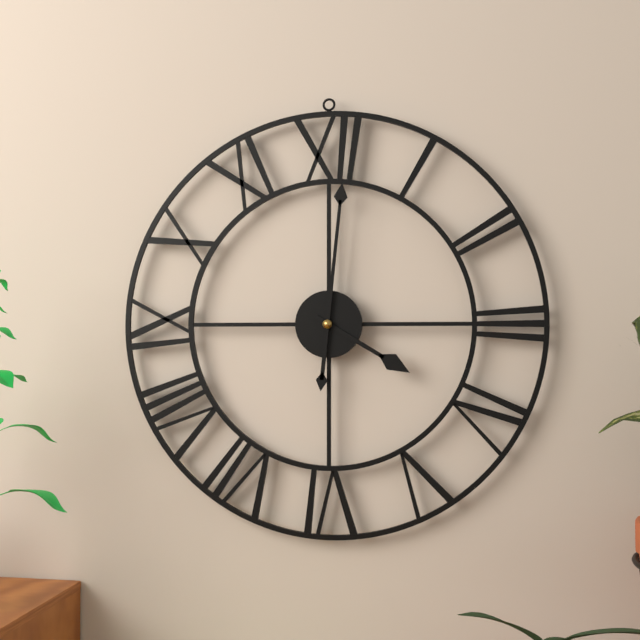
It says 4.01
